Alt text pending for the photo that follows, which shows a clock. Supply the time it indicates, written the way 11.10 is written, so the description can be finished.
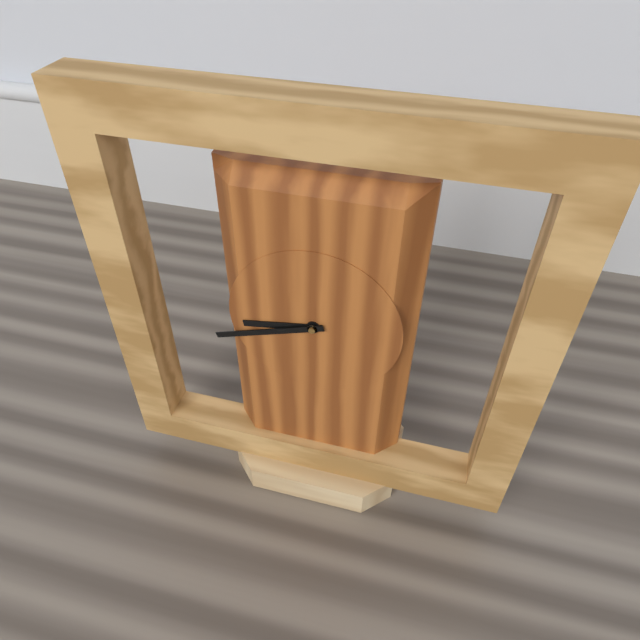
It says 8.42
